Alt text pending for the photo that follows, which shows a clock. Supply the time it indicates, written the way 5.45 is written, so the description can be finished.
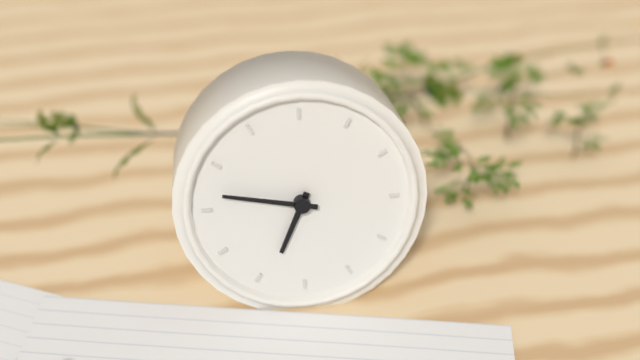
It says 6.47
